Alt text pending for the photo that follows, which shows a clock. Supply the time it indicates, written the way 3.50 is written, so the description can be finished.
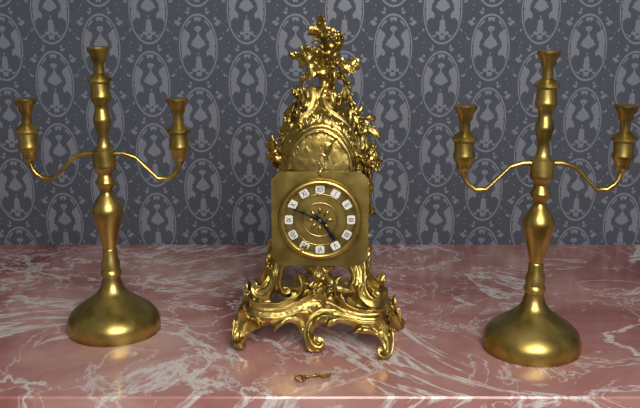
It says 4.49
